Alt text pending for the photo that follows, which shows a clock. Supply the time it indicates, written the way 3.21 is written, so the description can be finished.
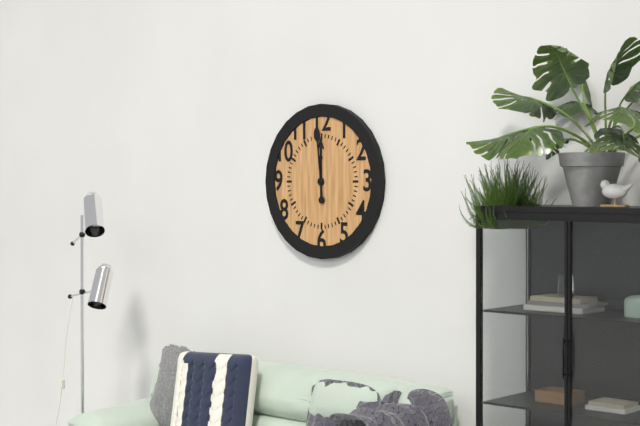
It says 11.59
